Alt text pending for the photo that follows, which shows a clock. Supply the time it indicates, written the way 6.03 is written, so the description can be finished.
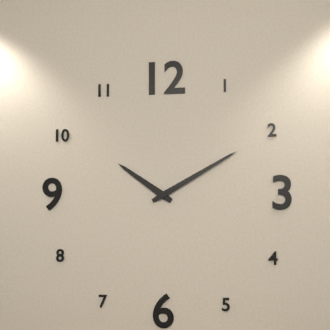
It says 10.10
